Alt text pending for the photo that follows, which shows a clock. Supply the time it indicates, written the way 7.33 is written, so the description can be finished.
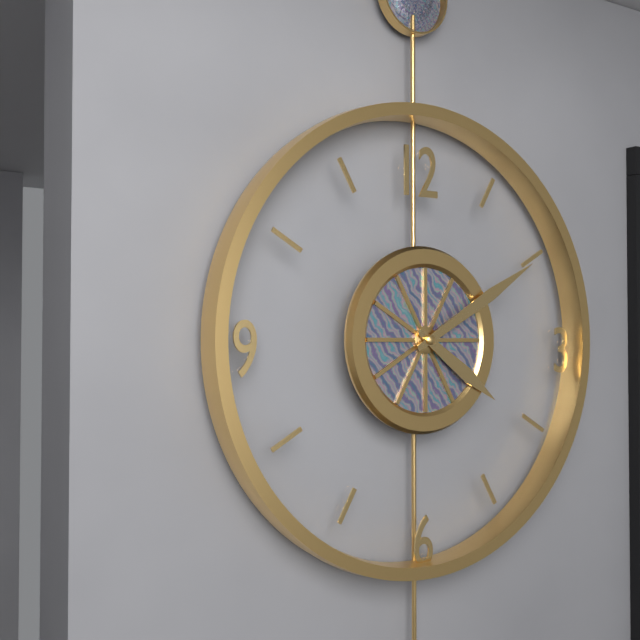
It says 4.10
